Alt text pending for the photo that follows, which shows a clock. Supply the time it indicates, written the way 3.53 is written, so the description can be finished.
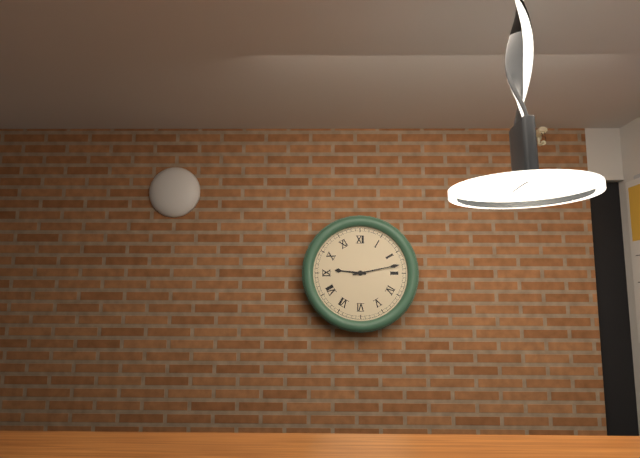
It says 9.13
